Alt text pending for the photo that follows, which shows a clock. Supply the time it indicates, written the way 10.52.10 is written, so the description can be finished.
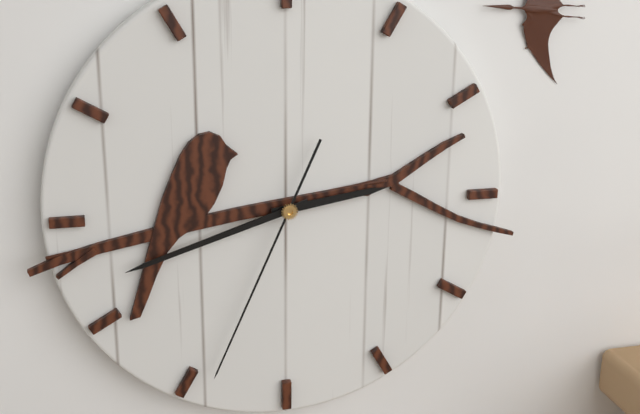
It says 2.42.34
